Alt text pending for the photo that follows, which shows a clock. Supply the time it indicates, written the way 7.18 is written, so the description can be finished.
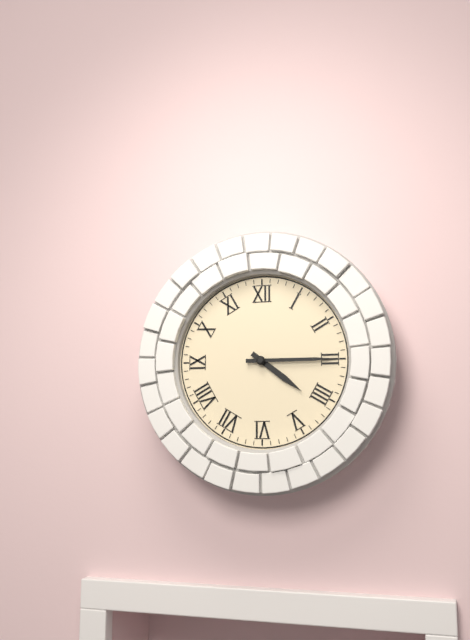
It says 4.15
